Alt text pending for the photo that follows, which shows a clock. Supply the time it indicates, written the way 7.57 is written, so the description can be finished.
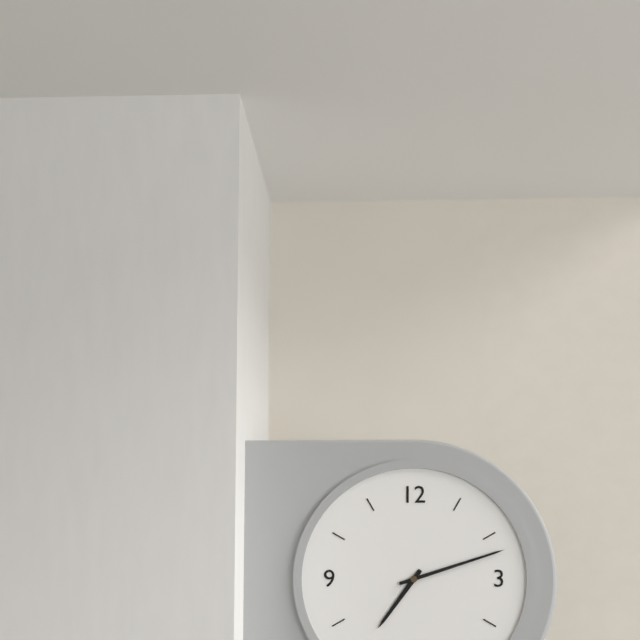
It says 7.12
